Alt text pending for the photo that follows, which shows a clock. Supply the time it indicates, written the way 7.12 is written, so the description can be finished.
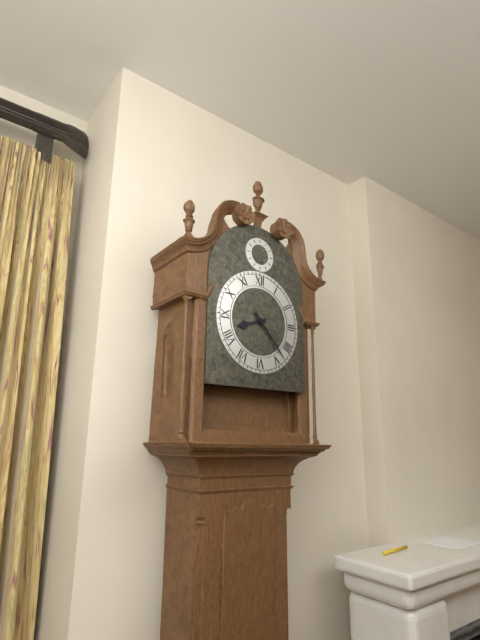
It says 8.23
